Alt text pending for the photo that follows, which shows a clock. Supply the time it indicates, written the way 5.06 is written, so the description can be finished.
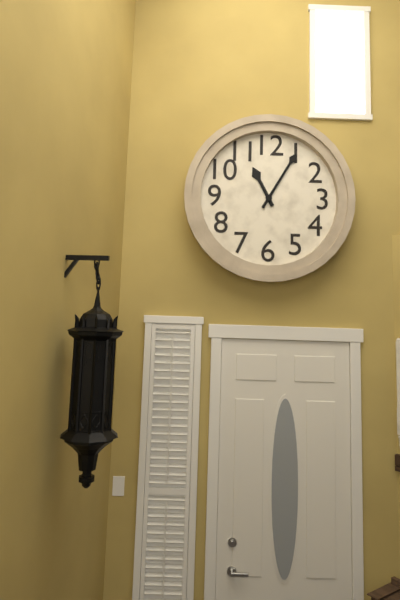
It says 11.05
